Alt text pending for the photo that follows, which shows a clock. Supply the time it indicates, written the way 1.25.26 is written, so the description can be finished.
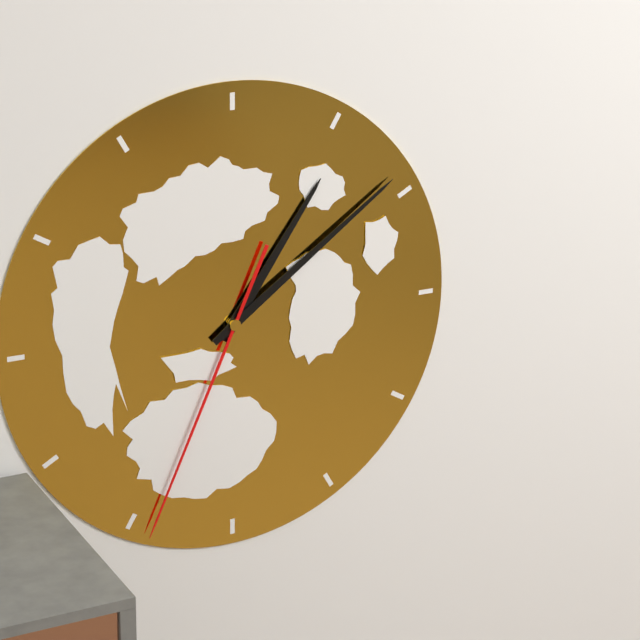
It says 1.09.34
